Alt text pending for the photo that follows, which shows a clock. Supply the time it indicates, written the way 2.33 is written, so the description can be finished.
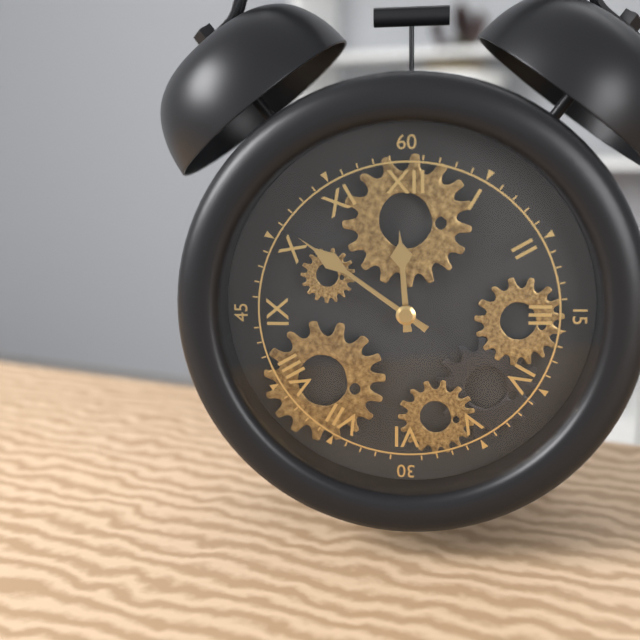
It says 11.51
